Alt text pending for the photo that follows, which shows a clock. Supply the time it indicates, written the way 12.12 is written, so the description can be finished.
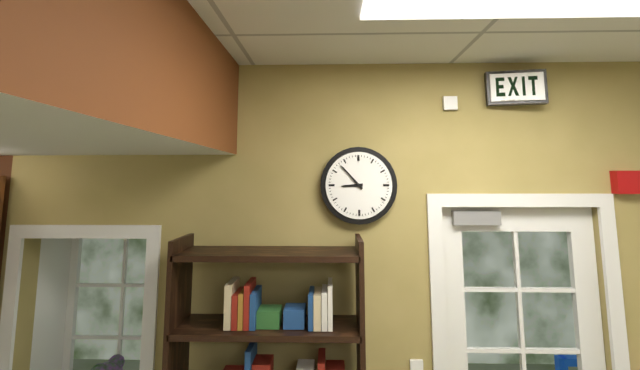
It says 8.53
